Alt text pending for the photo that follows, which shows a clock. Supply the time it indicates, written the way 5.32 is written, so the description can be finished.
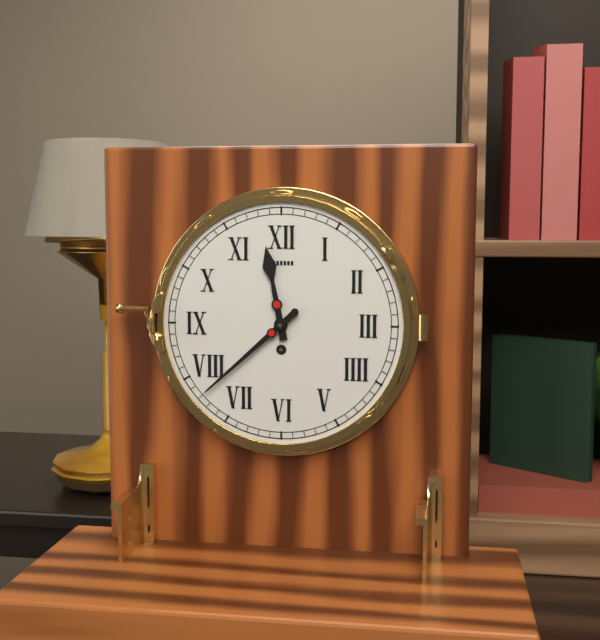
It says 11.38
